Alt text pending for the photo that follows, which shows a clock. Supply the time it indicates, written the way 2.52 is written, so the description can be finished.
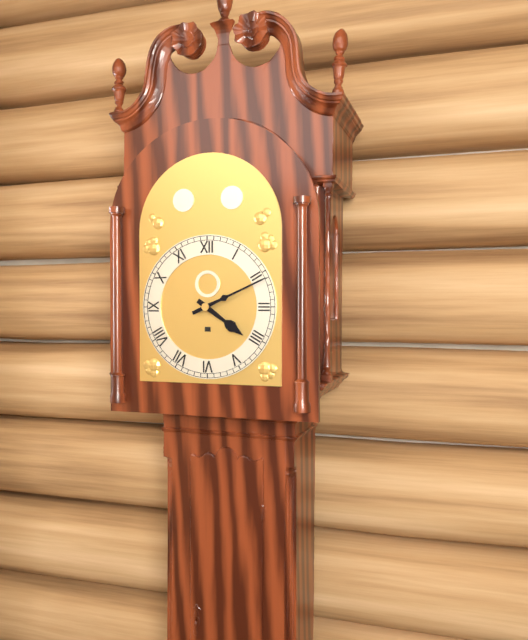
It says 4.11
